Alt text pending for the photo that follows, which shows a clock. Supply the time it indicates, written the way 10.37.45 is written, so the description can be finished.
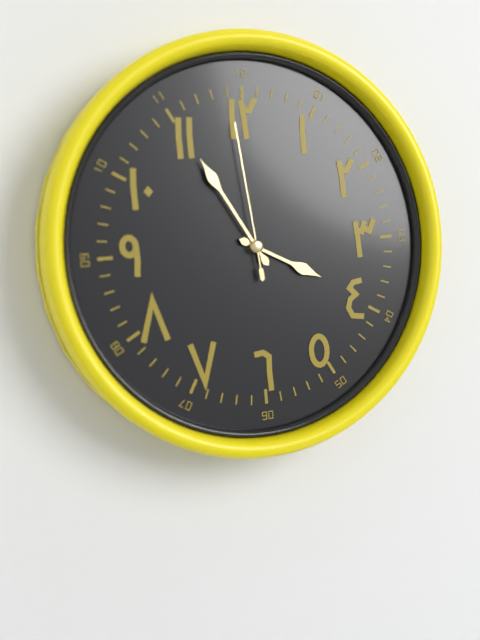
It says 3.55.59
